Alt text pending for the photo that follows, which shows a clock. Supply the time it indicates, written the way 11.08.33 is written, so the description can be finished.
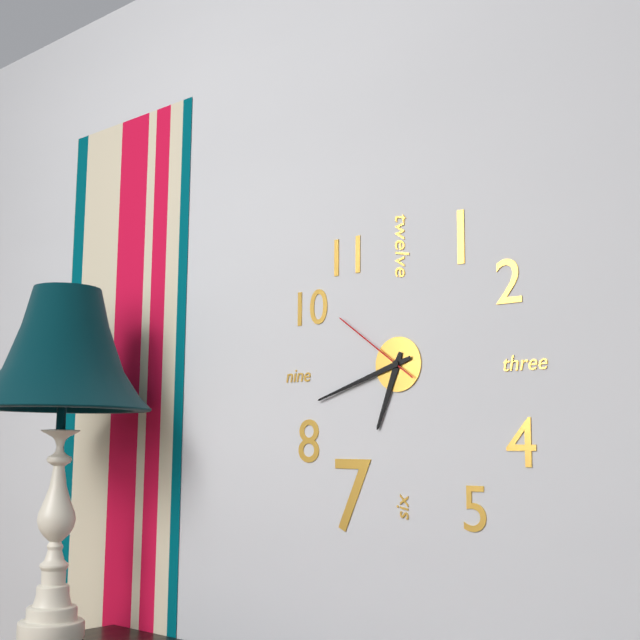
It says 6.42.51
